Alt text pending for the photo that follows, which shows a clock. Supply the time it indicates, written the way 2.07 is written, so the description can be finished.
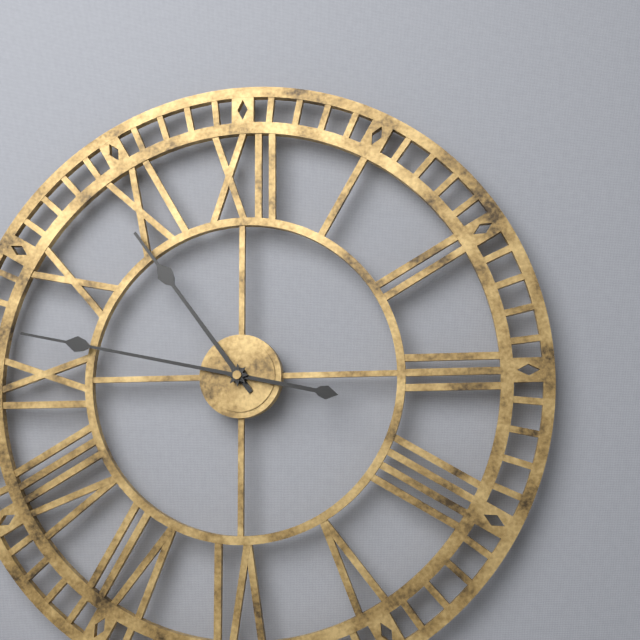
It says 10.47
